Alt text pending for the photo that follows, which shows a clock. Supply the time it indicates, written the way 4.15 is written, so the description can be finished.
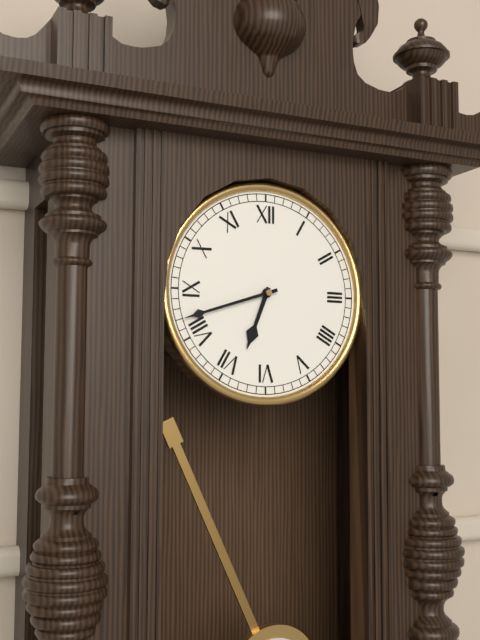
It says 6.42
